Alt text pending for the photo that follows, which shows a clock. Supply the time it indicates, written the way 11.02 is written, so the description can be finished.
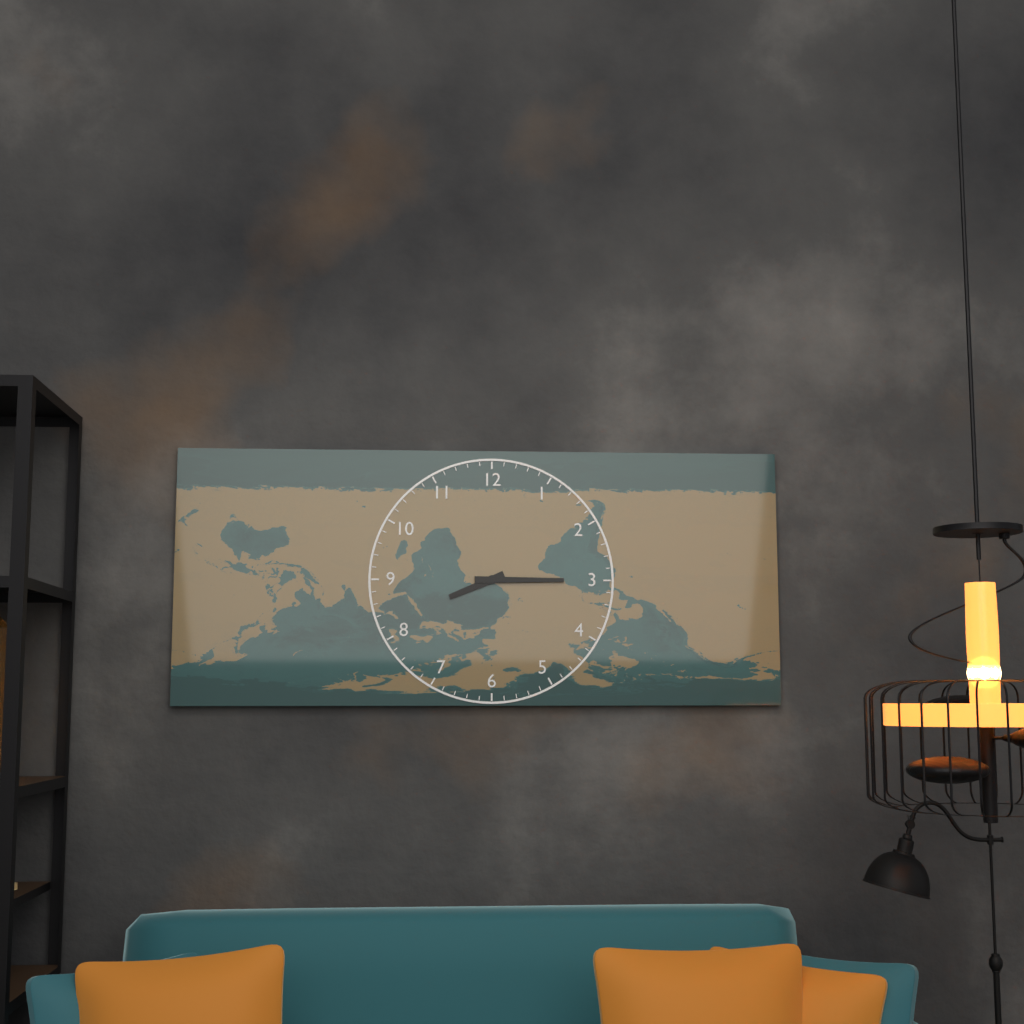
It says 8.15
